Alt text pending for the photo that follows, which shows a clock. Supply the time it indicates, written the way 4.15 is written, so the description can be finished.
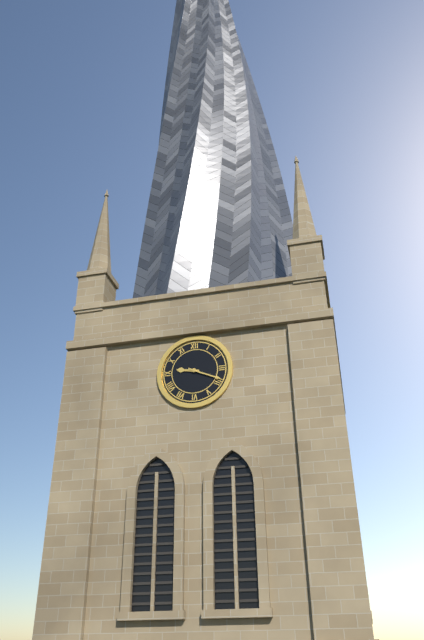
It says 9.19
